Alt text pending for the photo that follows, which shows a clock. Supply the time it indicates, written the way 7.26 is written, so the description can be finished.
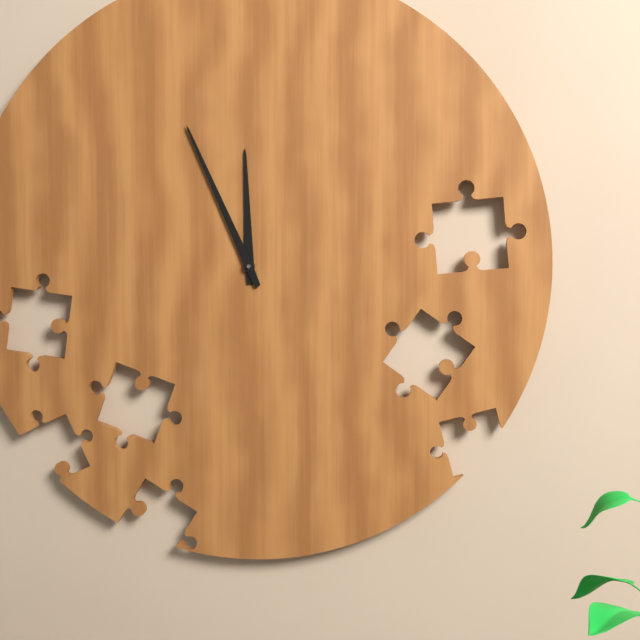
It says 11.56
